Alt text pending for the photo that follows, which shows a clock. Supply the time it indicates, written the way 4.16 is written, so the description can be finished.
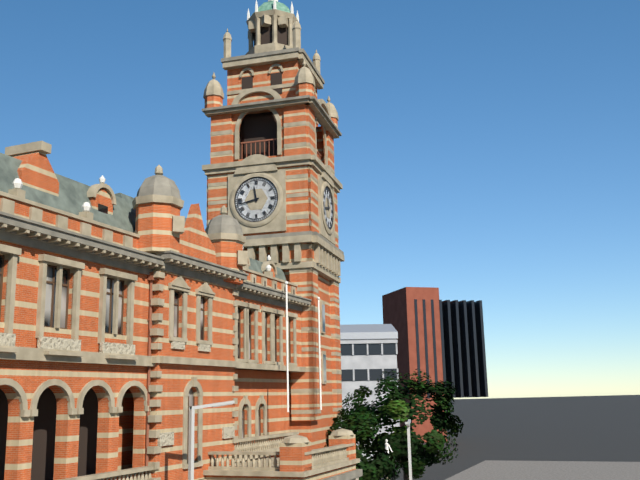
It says 11.43
